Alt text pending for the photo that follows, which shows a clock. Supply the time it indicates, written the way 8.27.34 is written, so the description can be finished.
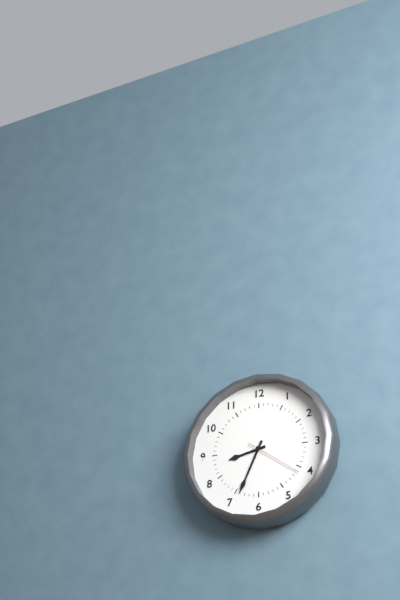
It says 8.34.21
